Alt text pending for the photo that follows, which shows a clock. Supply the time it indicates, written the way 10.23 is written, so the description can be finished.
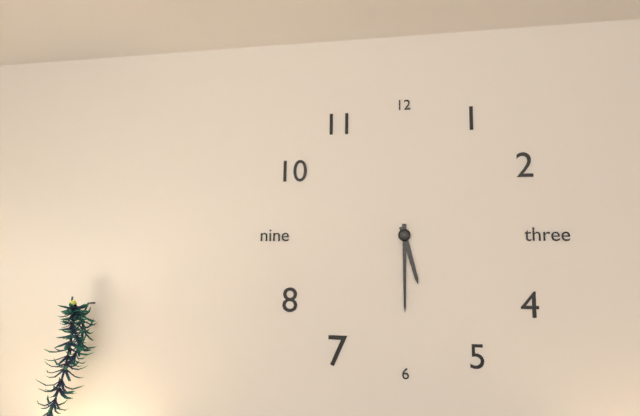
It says 5.30
